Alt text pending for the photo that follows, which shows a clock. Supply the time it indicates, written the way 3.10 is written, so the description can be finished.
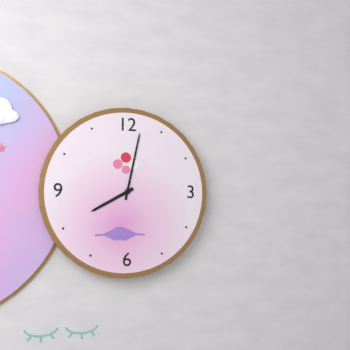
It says 8.02
